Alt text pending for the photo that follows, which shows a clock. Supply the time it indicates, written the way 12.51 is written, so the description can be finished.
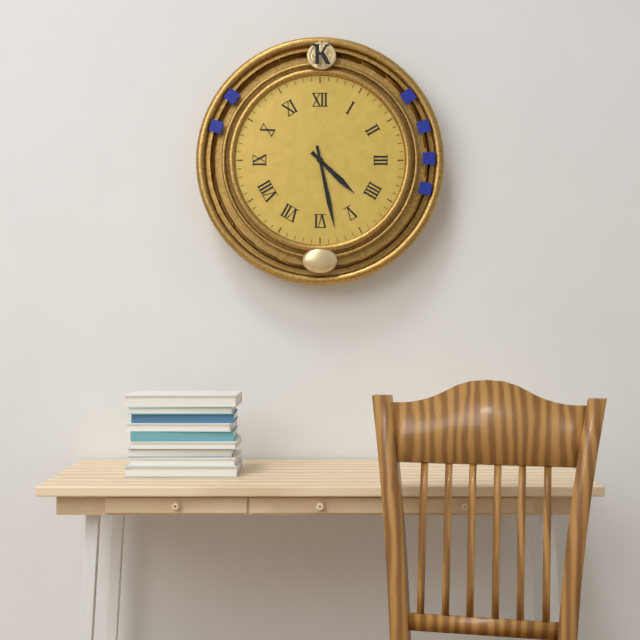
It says 4.28
